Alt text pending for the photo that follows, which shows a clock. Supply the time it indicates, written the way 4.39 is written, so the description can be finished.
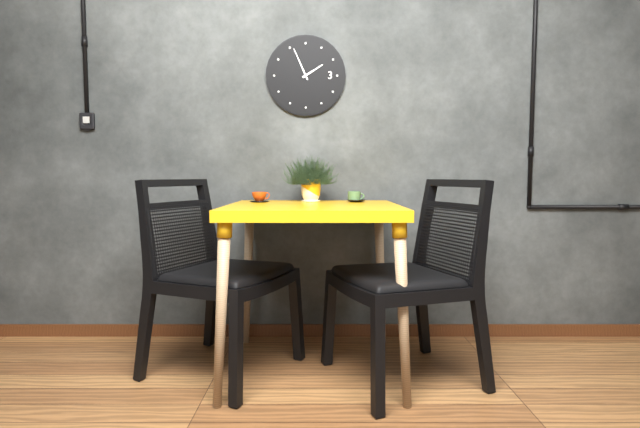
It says 1.56
